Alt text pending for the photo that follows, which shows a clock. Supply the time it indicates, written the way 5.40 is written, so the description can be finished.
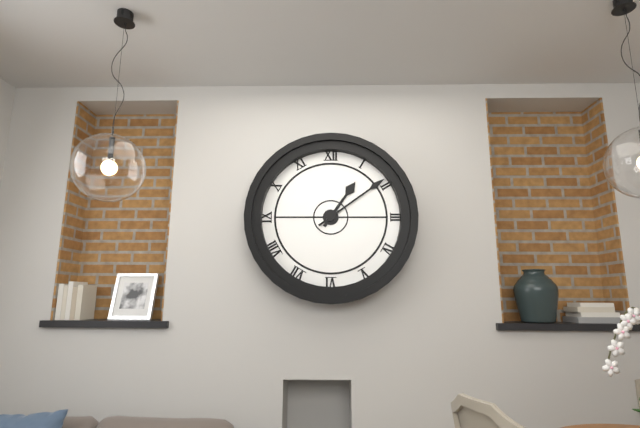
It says 1.09
